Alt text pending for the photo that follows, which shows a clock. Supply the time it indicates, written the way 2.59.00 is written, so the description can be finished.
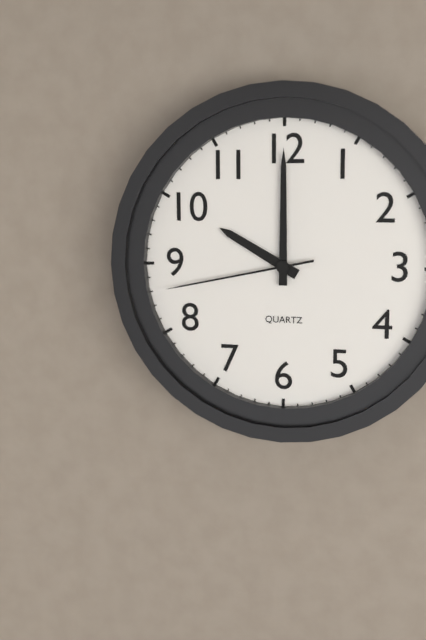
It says 10.00.43
